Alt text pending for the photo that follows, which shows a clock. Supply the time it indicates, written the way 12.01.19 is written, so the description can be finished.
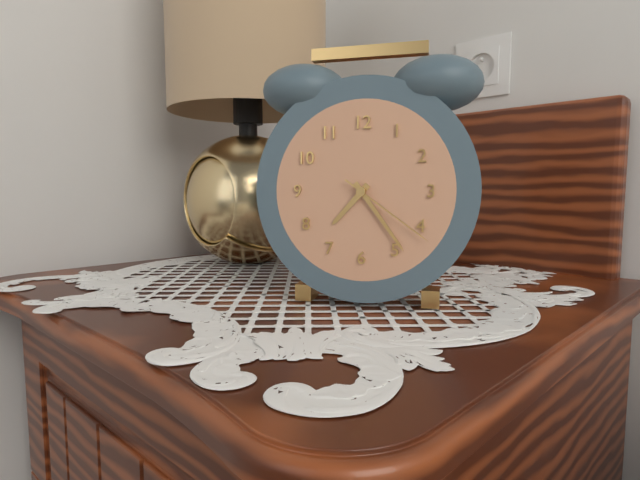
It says 7.24.21
